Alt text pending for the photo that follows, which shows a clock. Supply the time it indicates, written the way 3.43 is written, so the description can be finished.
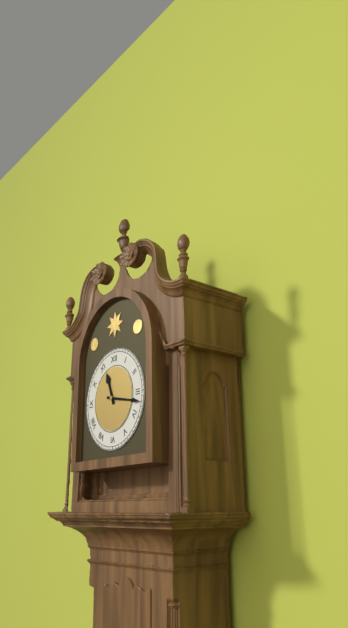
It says 11.17
